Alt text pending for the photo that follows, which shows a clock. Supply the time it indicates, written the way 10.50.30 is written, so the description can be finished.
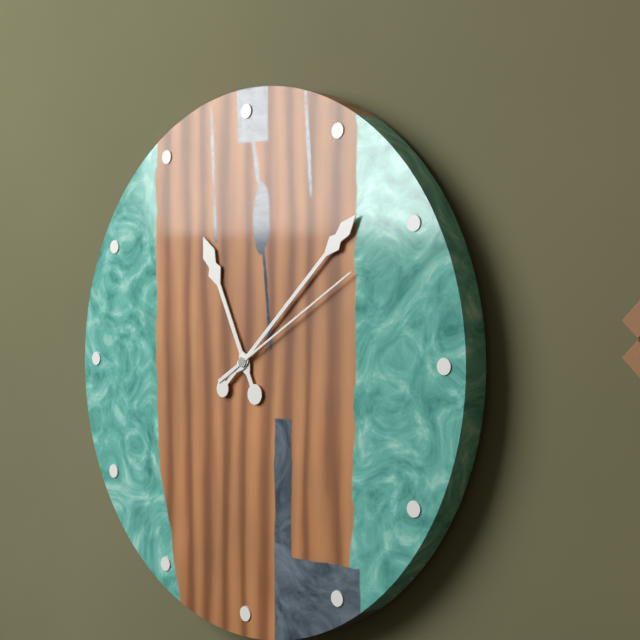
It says 11.08.10
